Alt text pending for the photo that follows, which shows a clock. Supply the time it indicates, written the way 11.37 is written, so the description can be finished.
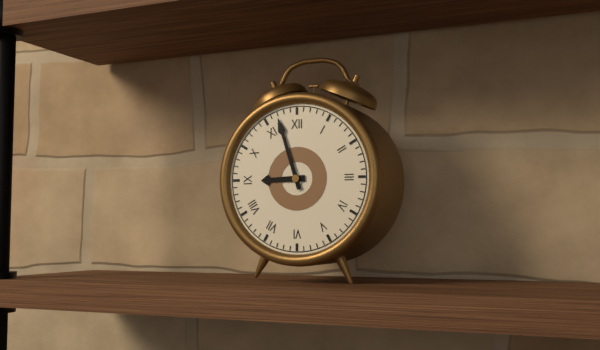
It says 8.57
